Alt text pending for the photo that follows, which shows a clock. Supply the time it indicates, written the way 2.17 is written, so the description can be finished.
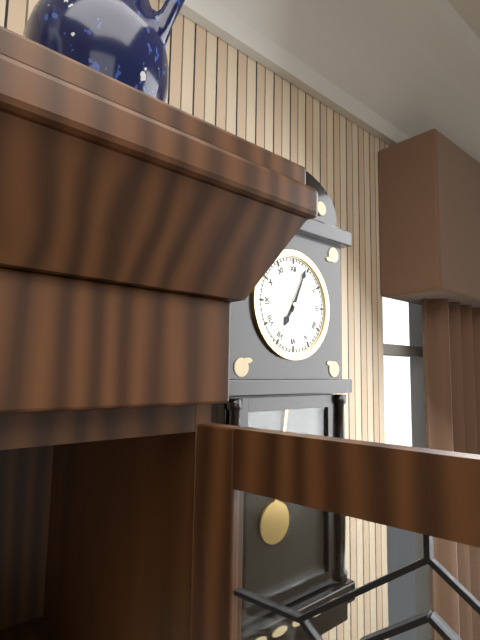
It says 7.04
